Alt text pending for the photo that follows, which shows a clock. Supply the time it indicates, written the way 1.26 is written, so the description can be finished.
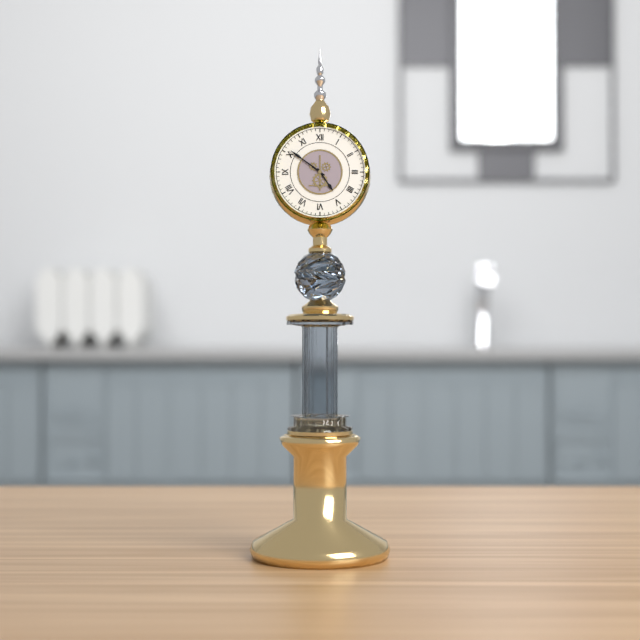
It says 4.51
